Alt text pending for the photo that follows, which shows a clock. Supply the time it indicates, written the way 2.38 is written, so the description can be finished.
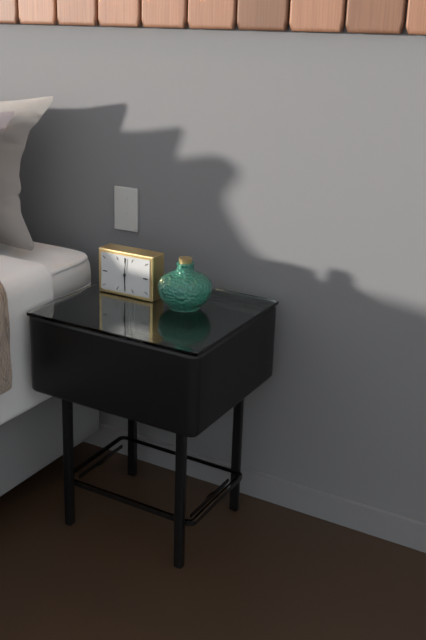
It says 6.01
